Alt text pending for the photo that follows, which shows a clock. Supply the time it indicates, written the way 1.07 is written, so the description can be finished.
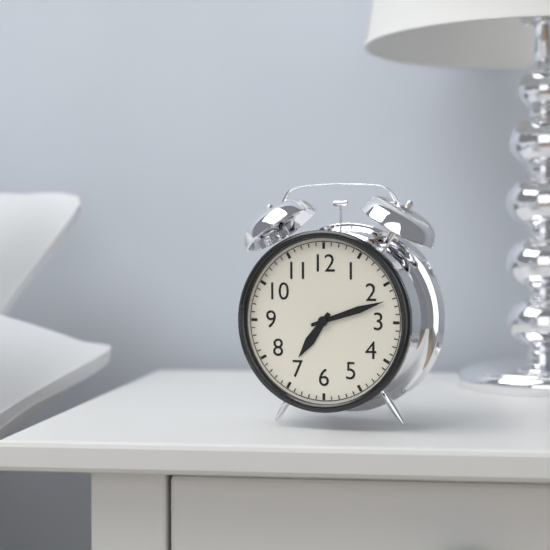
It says 7.12
